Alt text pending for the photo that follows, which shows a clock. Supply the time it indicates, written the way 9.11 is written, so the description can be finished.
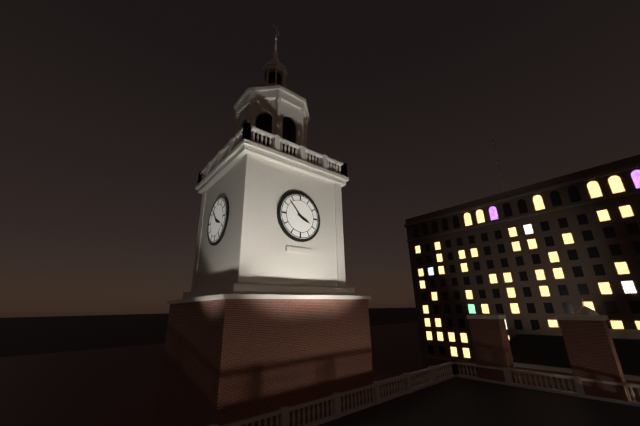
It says 3.53
